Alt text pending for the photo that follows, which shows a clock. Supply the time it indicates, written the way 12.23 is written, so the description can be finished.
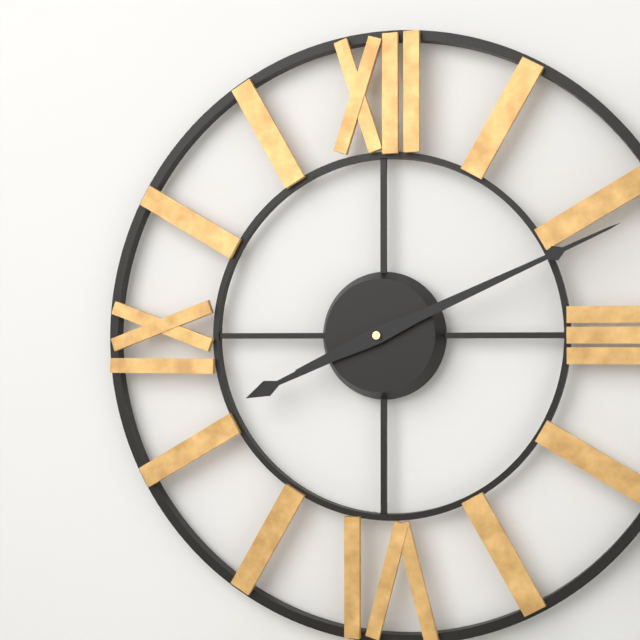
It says 8.11
